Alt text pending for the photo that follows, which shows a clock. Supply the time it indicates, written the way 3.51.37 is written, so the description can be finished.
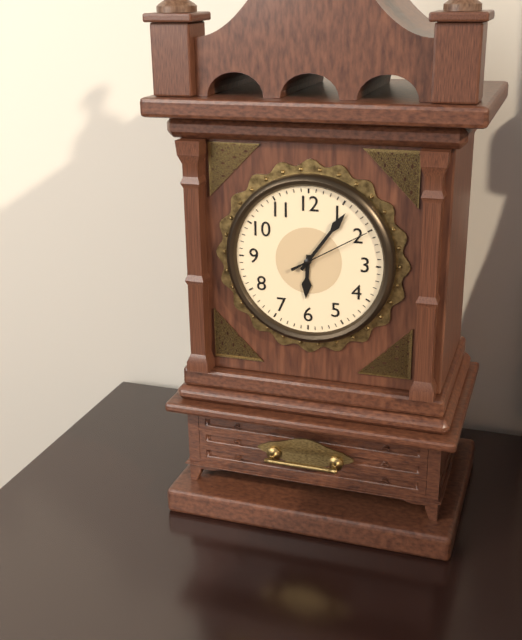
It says 6.06.10
